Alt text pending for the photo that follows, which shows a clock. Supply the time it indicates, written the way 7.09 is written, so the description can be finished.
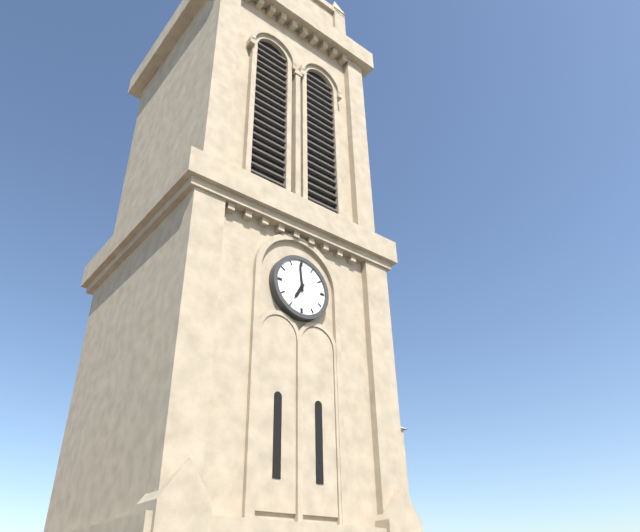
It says 6.59
